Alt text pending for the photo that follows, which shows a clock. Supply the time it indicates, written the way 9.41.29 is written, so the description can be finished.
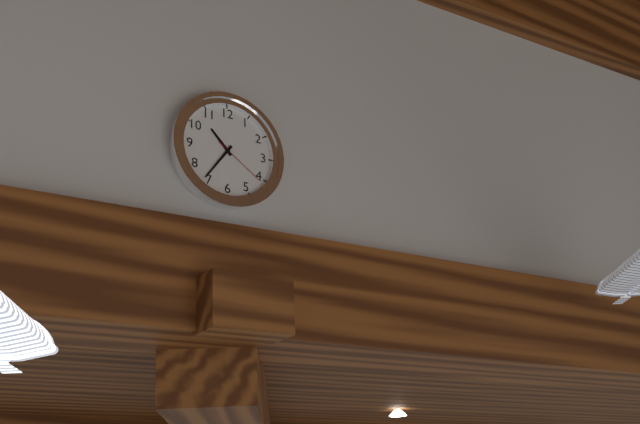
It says 10.36.21
